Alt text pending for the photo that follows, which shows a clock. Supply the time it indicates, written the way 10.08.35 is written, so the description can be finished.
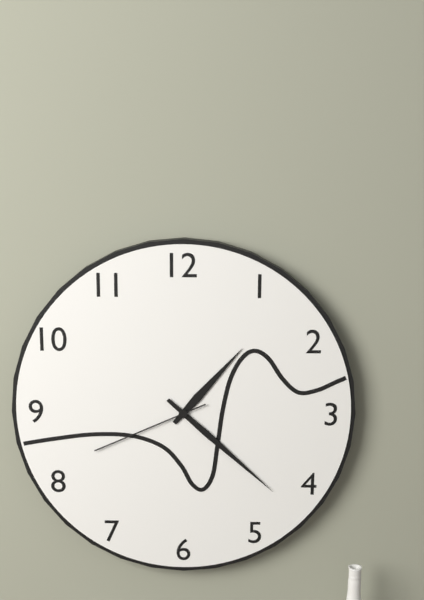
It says 1.22.41
